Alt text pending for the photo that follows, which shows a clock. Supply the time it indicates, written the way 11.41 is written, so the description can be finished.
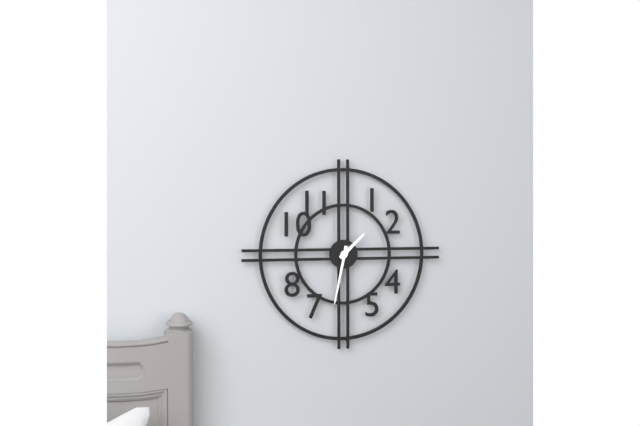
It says 1.32
